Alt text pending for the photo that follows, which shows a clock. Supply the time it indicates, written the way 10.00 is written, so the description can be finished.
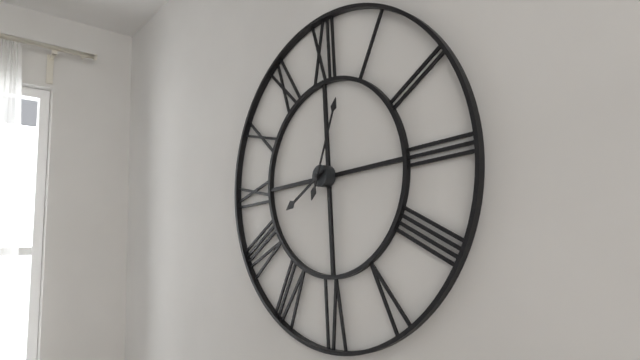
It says 8.04
